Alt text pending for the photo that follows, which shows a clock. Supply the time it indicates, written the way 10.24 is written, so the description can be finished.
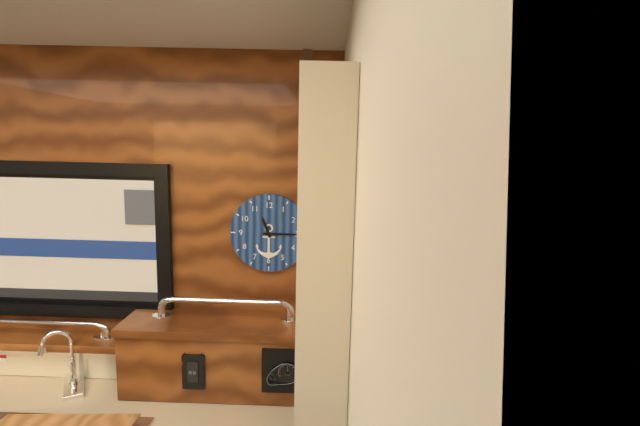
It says 11.15
